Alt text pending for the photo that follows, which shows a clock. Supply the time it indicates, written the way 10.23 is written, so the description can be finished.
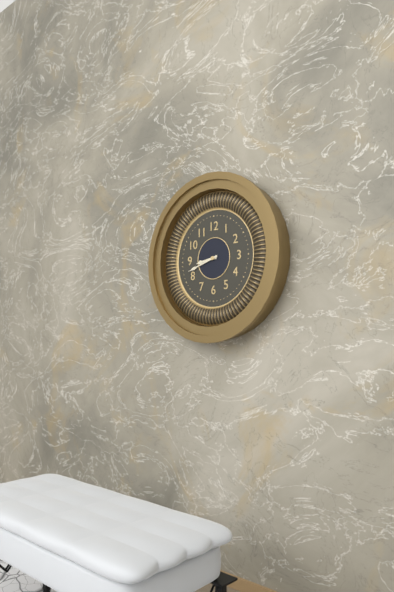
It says 8.42
